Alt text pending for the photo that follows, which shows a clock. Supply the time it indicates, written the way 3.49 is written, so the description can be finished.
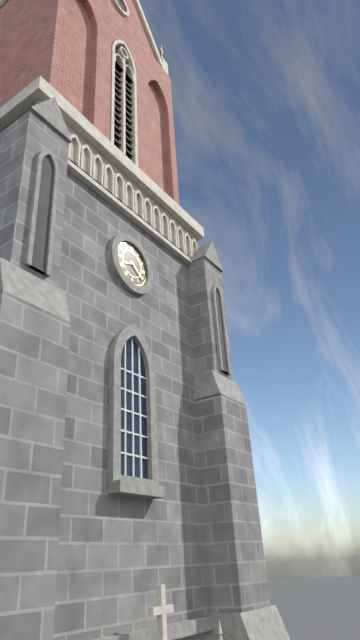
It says 8.21
